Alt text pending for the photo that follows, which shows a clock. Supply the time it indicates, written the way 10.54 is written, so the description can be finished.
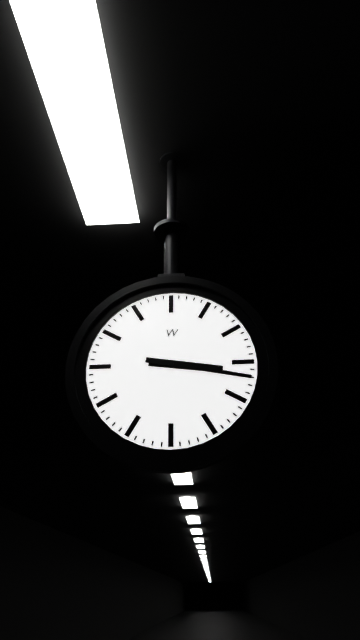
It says 3.17
